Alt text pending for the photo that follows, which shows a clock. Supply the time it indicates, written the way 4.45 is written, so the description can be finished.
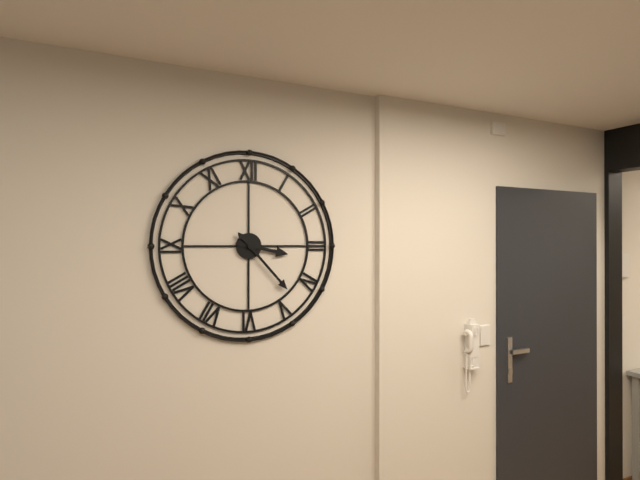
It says 3.23
